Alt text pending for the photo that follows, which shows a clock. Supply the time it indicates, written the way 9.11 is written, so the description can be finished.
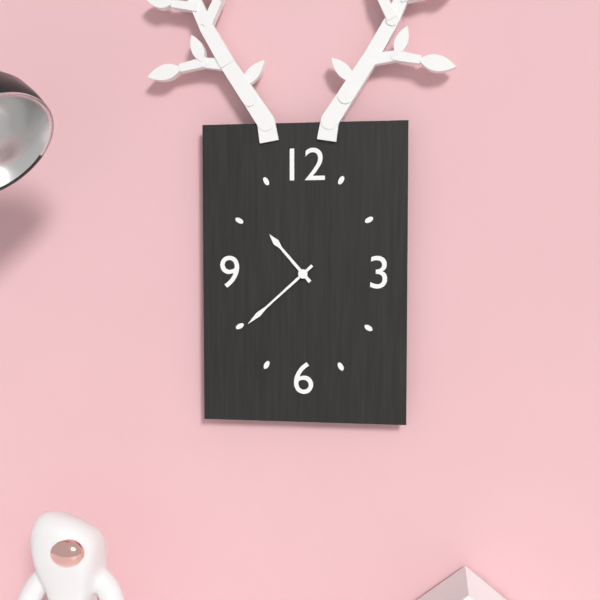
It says 10.38
